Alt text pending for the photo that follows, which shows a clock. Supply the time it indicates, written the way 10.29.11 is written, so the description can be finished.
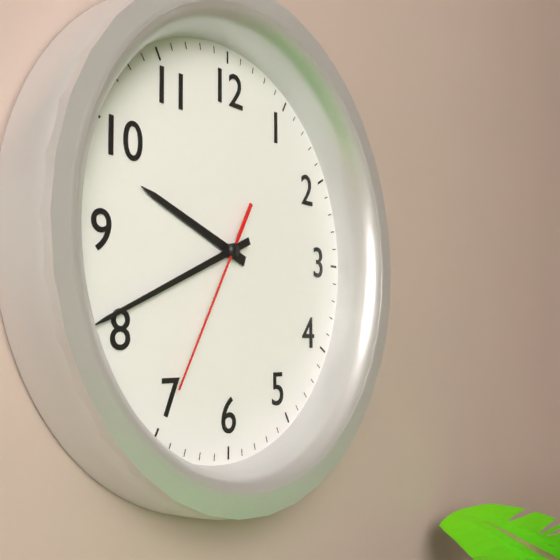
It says 9.41.35
